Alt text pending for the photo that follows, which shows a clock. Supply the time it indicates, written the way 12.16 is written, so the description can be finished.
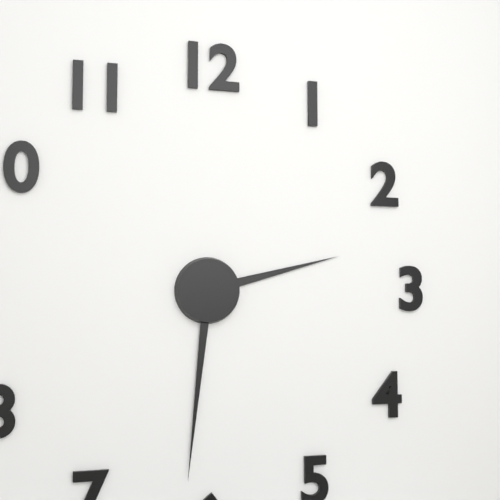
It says 2.31
